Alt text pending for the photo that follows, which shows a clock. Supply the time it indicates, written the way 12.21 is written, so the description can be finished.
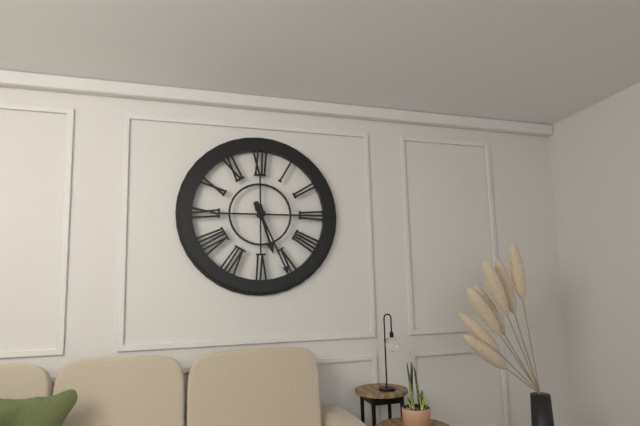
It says 5.26
